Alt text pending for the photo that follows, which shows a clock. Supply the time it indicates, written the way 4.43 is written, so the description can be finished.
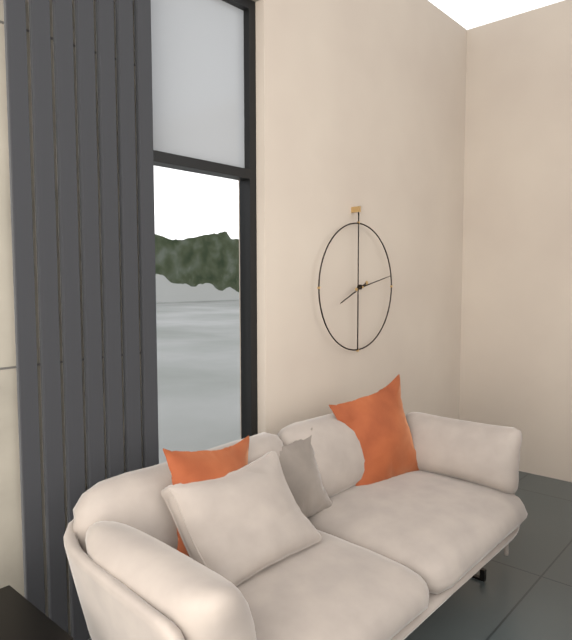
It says 8.13
